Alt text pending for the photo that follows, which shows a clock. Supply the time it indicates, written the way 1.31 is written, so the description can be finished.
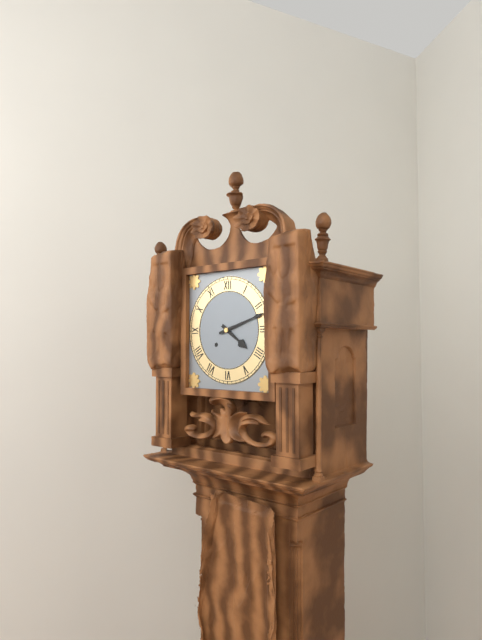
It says 4.12
